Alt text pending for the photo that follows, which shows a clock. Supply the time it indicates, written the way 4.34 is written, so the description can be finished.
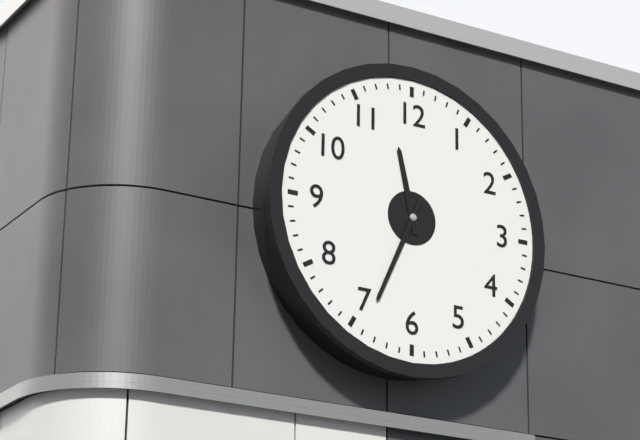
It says 11.34
